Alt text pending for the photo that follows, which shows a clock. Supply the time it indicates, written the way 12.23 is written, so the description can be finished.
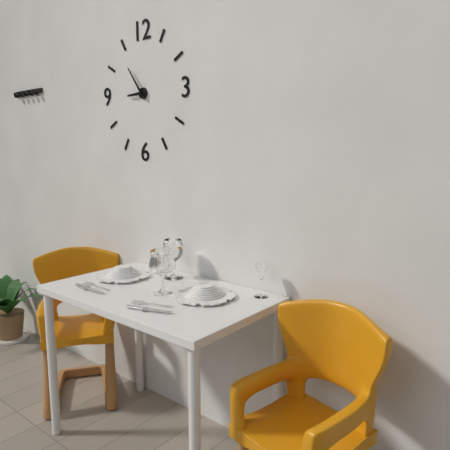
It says 8.54
